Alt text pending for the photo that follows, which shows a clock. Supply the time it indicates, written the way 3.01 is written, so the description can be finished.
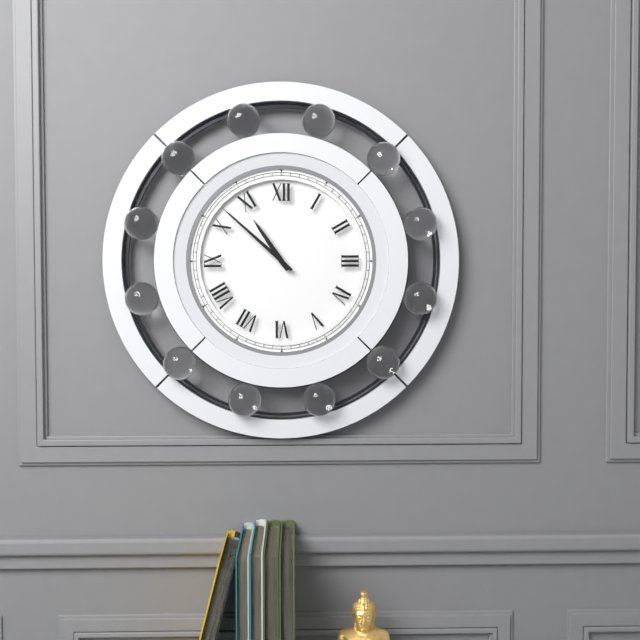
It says 10.52
